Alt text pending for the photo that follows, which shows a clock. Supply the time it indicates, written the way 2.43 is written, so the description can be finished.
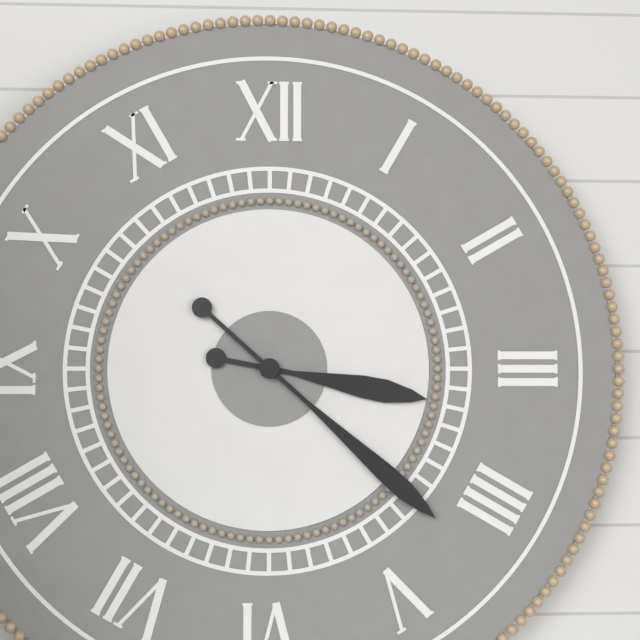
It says 3.22
